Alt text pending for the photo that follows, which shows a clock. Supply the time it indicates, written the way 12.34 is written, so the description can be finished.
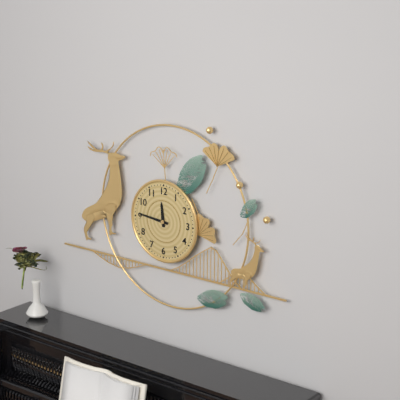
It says 11.46
